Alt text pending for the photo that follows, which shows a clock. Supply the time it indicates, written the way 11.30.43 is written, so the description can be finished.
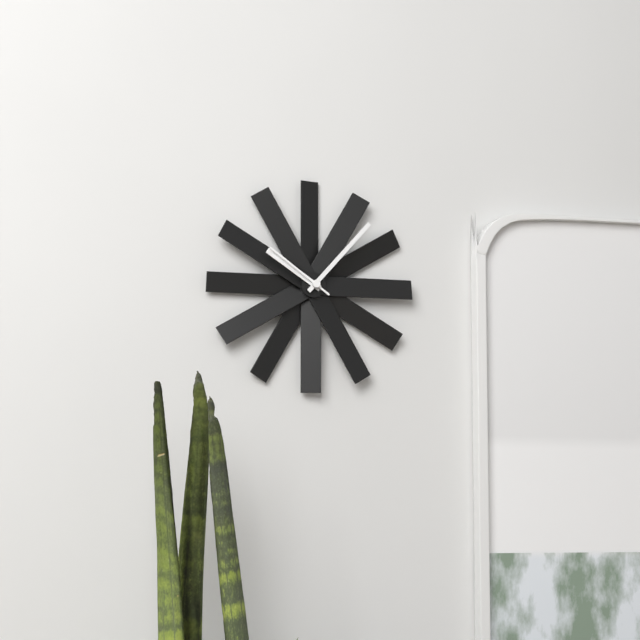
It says 10.07.51
